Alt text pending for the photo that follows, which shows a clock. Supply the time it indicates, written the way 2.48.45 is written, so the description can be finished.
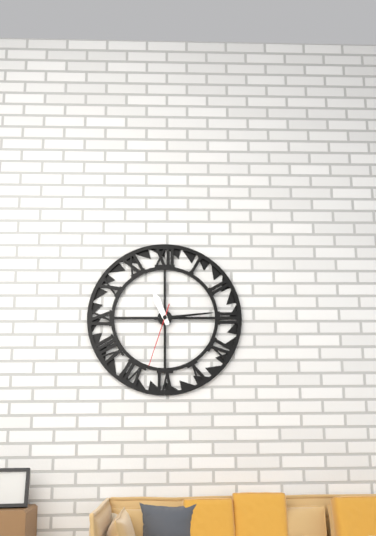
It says 11.14.33
